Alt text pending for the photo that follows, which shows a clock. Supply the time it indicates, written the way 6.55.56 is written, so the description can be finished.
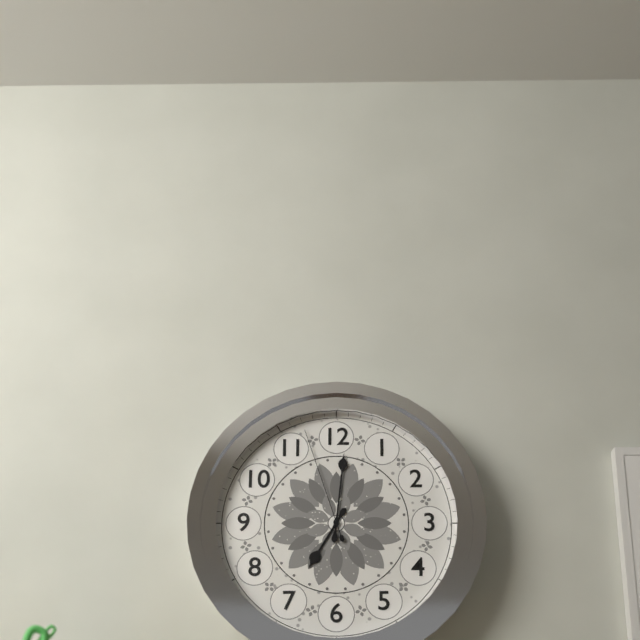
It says 7.01.57
